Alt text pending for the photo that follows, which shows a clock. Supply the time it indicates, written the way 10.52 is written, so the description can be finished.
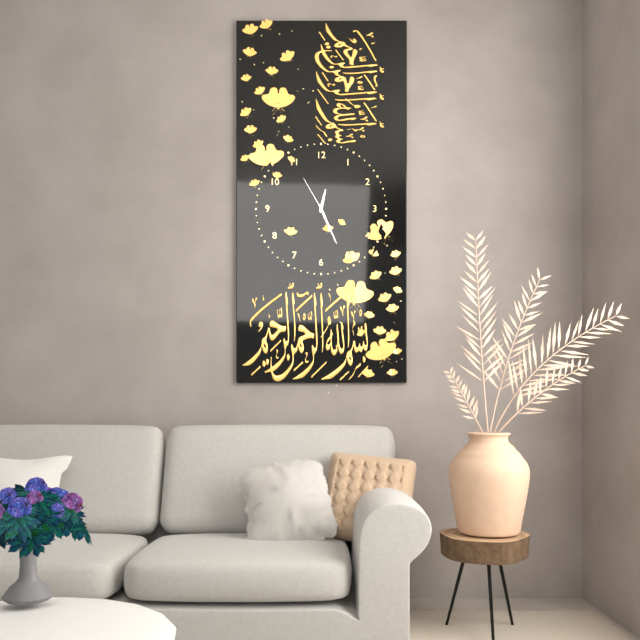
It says 12.26
